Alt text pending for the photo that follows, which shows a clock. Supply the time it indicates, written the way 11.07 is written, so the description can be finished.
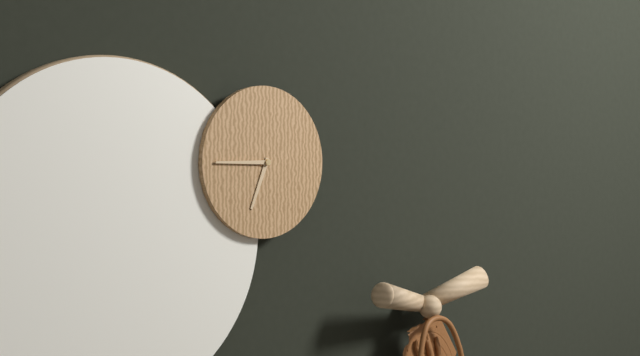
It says 6.45
